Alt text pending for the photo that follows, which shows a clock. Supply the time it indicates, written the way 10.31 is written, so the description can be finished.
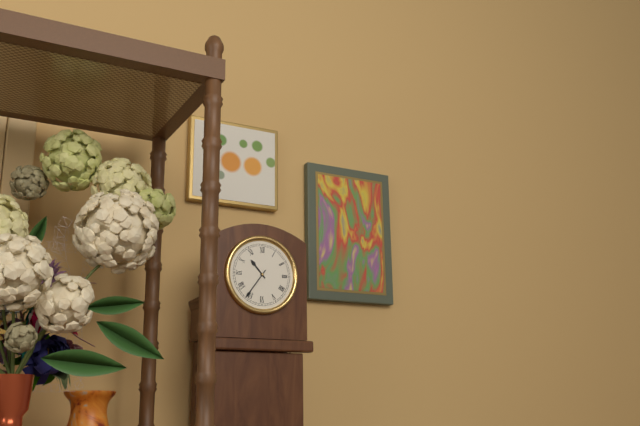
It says 10.36
